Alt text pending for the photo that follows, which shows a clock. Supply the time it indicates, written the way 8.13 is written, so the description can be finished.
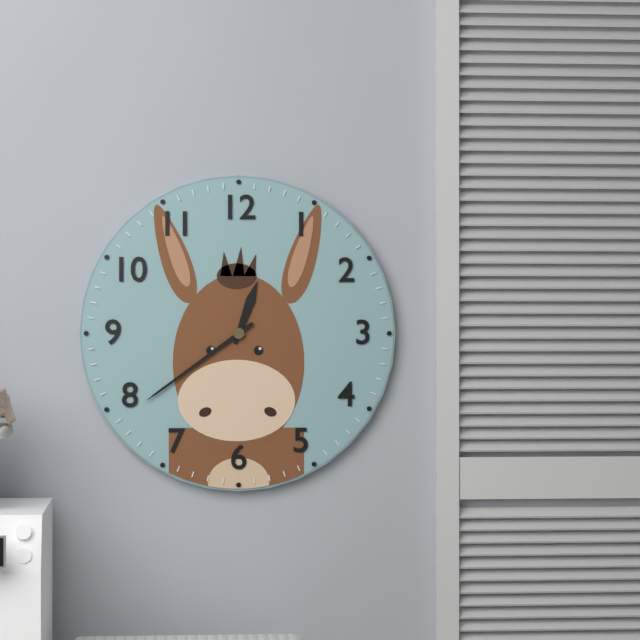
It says 12.39
